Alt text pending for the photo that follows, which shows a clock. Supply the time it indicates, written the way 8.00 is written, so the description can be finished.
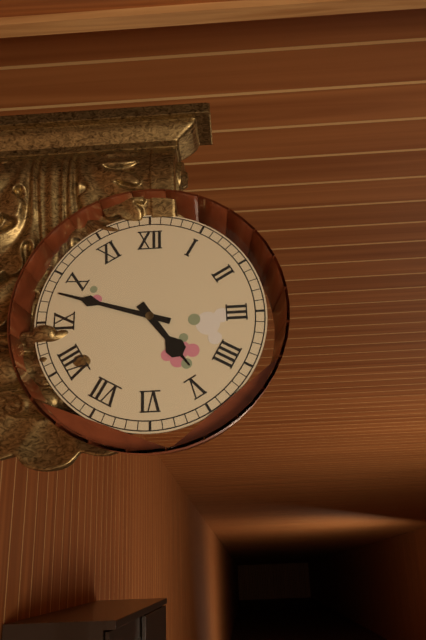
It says 4.48
